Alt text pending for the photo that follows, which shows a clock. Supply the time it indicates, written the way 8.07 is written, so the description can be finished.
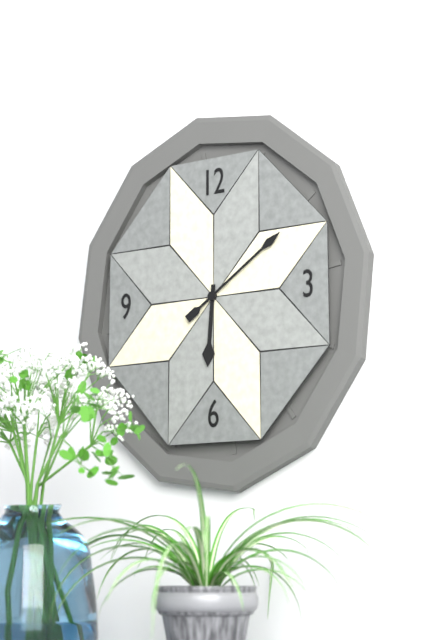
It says 6.09
